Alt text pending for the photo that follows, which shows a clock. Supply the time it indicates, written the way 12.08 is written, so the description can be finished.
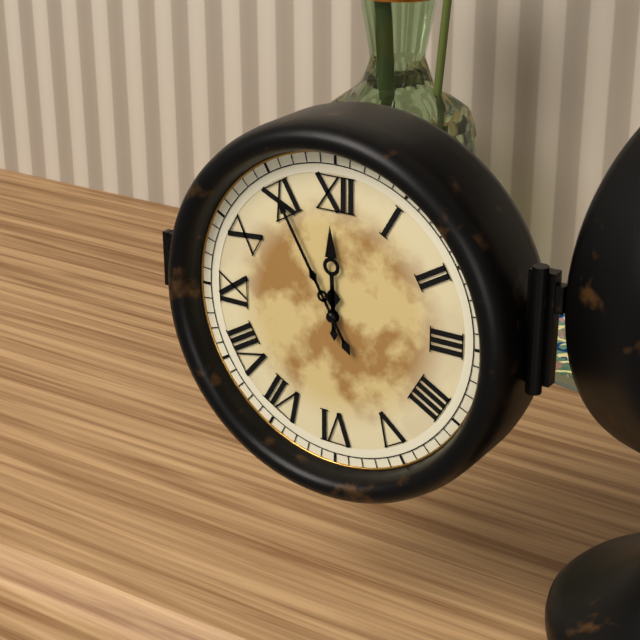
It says 11.55
